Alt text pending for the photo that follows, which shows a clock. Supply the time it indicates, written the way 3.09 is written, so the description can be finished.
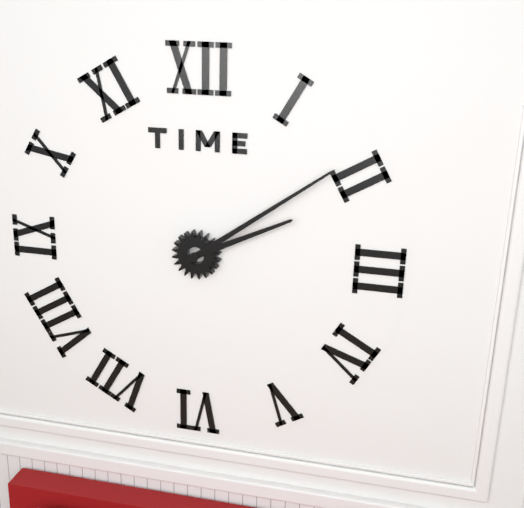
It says 2.09
